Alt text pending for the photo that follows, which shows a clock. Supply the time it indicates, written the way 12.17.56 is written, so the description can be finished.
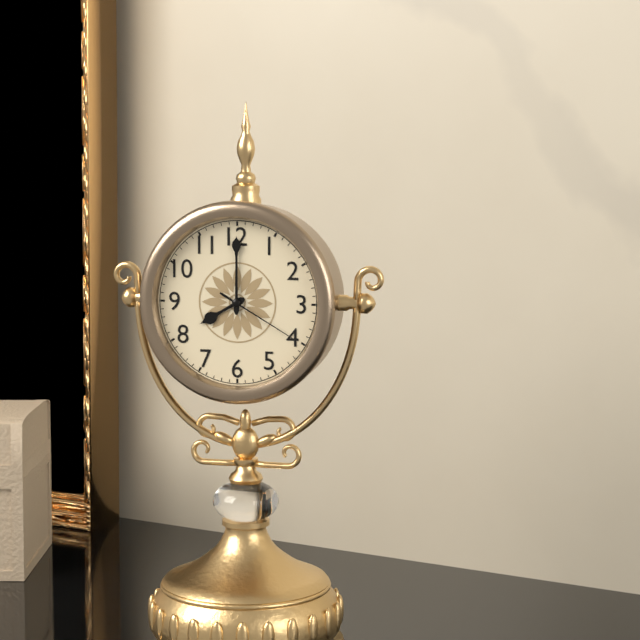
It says 8.00.20
